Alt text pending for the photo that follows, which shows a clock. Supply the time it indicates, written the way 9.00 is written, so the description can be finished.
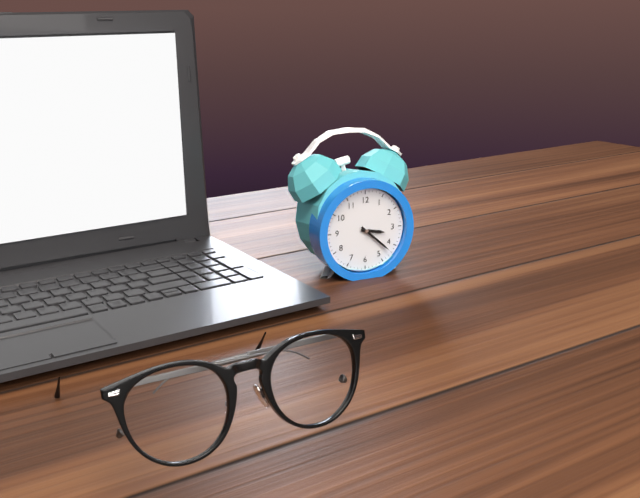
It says 3.22
